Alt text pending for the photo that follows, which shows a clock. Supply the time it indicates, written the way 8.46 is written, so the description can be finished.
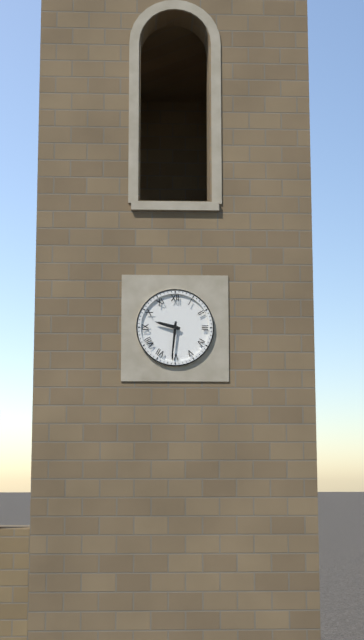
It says 9.31
